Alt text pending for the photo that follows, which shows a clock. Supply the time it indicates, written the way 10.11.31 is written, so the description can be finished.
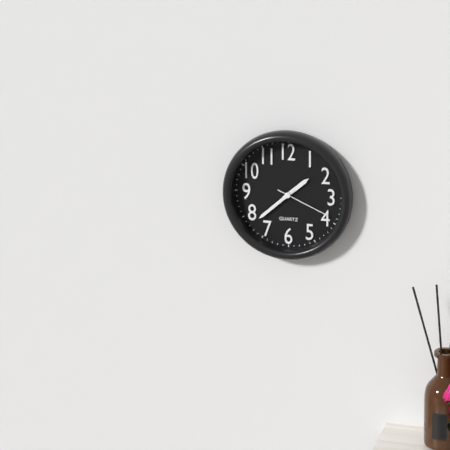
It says 1.38.19
